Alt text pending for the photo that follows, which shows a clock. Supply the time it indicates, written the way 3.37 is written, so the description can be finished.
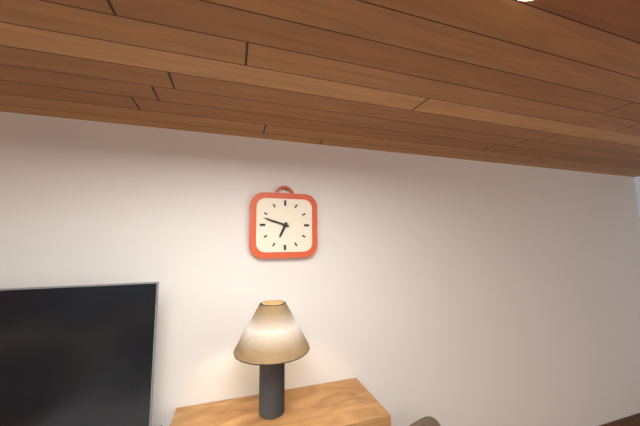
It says 6.48
